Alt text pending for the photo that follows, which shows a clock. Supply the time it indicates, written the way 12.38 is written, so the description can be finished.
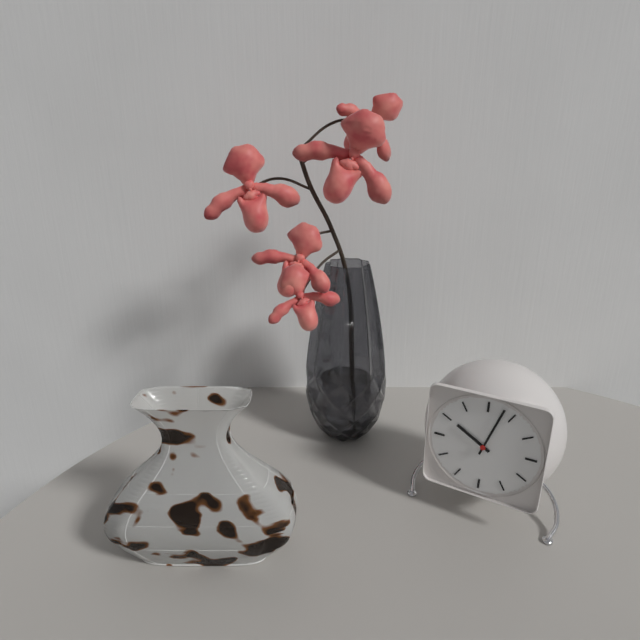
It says 10.03
